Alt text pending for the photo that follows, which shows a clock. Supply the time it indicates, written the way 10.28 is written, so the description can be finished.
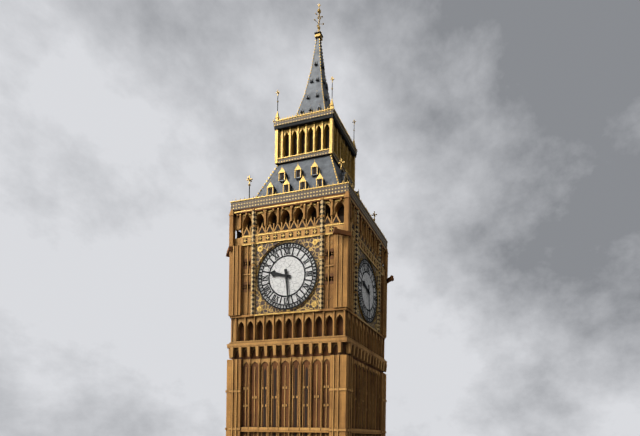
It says 9.29
